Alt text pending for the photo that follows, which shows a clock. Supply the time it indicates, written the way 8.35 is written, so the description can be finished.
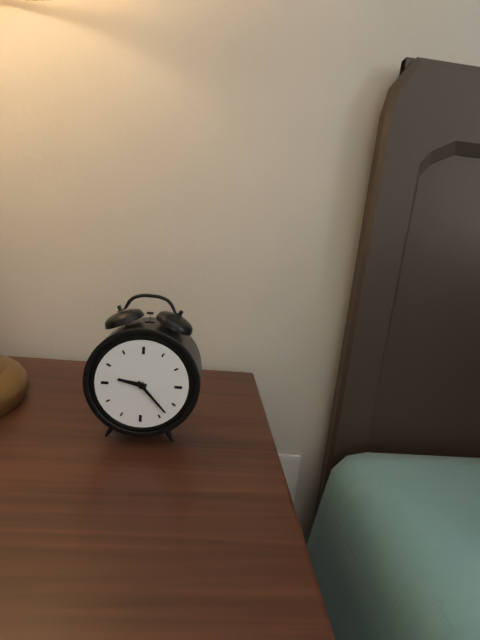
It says 9.23
